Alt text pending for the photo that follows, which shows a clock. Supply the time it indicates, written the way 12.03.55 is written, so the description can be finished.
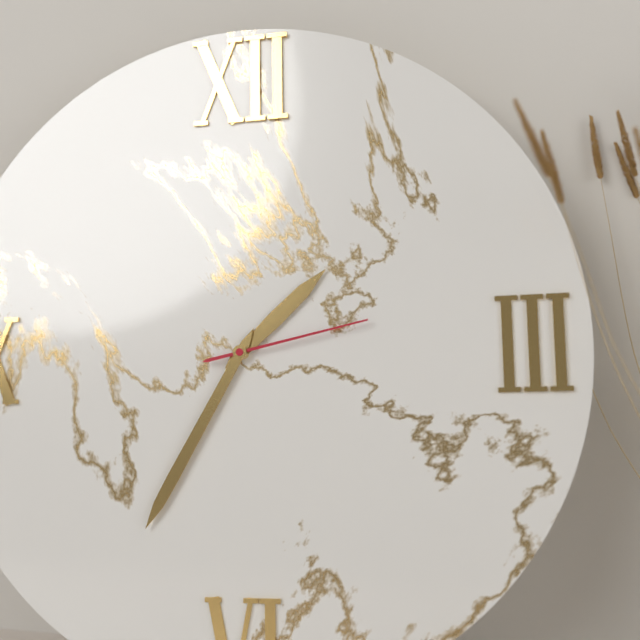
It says 1.35.13
